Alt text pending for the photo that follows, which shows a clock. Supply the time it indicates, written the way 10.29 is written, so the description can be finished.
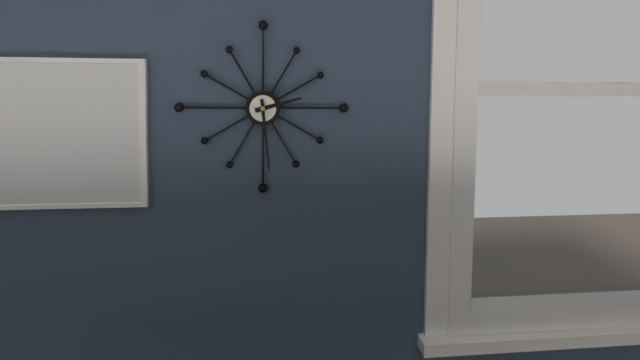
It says 2.29
